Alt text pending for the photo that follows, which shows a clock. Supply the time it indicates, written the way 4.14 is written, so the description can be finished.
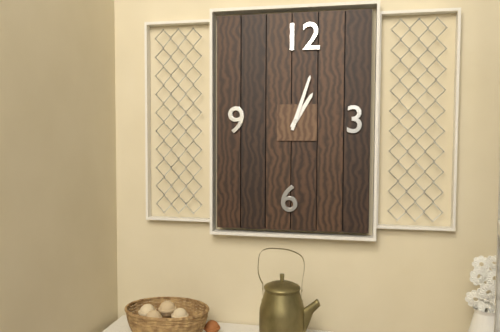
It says 1.03
